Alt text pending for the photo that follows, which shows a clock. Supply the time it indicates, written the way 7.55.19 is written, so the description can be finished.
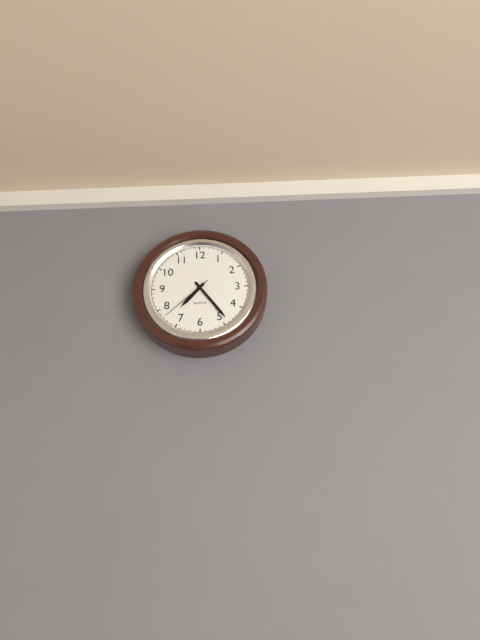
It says 7.24.38
